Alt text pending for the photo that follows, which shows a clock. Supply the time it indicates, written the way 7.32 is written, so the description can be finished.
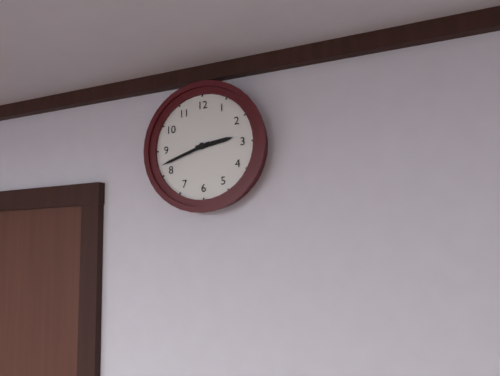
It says 2.42
